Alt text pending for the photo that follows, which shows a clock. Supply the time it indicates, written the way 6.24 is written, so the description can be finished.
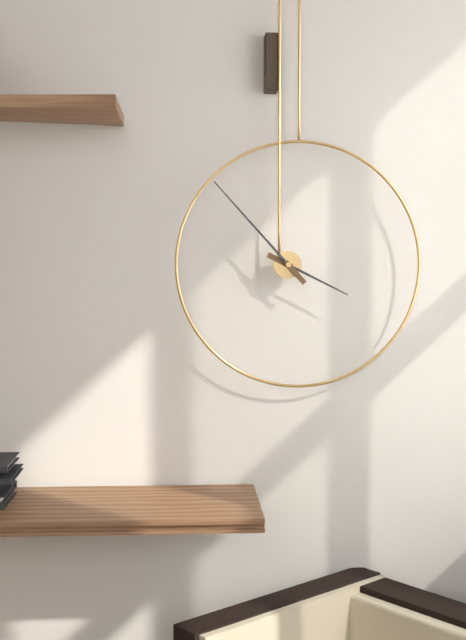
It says 3.53
